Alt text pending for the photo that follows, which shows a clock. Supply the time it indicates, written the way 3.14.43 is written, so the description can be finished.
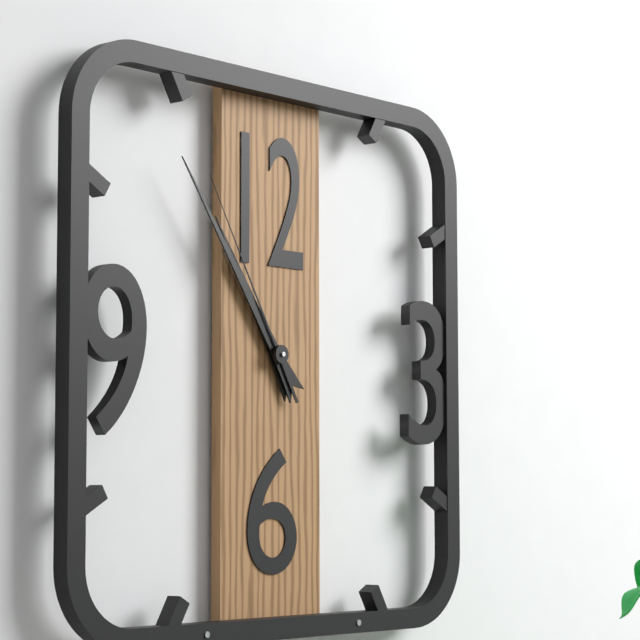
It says 10.54.55
